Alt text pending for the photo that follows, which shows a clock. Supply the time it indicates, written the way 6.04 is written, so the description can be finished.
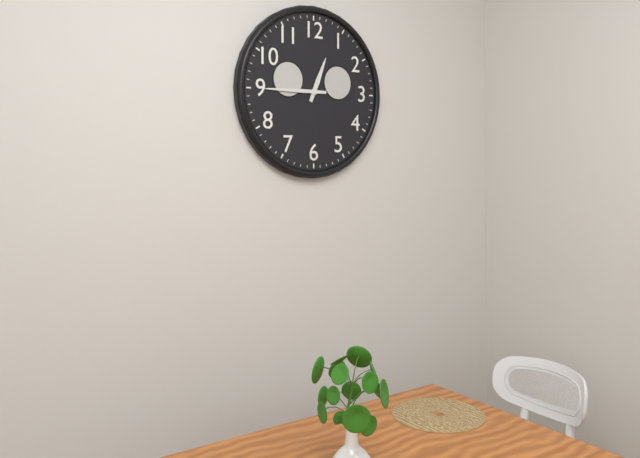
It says 12.45
